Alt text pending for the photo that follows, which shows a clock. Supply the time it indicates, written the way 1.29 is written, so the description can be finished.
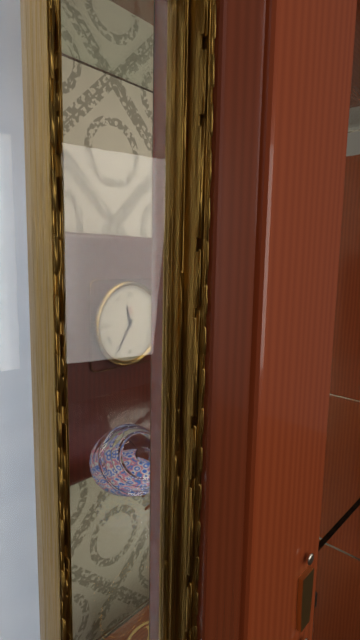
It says 11.35
